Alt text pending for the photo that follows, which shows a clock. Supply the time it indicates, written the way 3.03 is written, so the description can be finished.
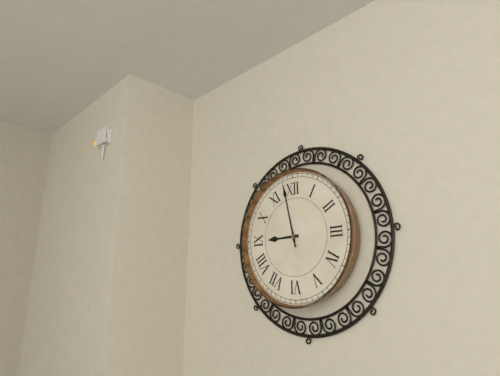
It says 8.58
